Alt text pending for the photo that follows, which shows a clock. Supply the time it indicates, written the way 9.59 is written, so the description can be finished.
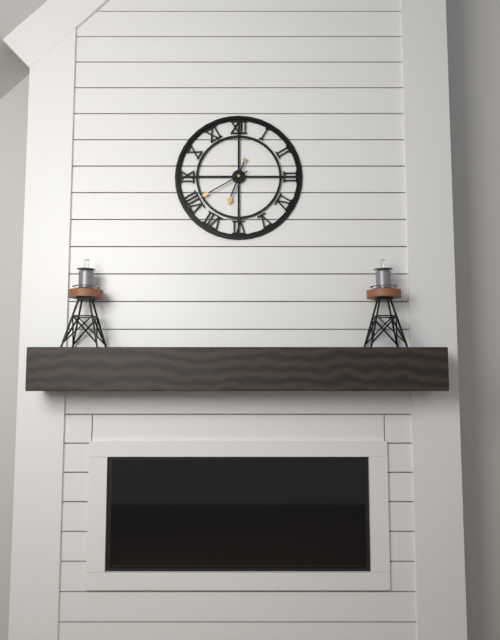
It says 6.40
